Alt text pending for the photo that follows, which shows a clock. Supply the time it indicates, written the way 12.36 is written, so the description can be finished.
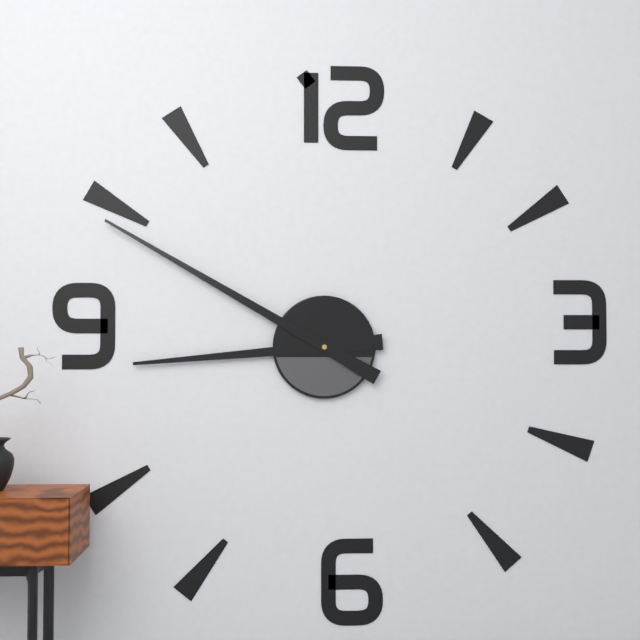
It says 8.50
